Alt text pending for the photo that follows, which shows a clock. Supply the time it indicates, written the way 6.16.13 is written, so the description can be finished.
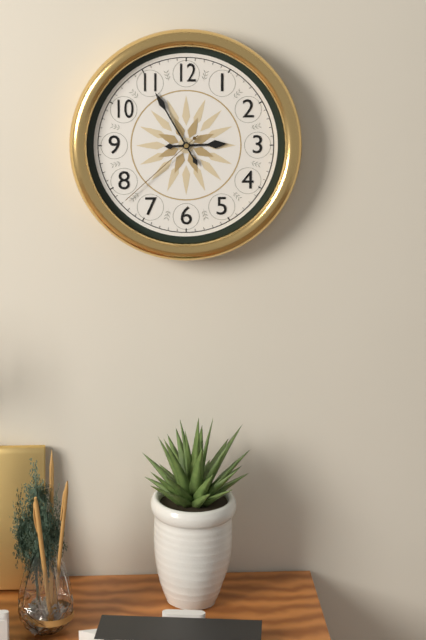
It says 2.55.38
